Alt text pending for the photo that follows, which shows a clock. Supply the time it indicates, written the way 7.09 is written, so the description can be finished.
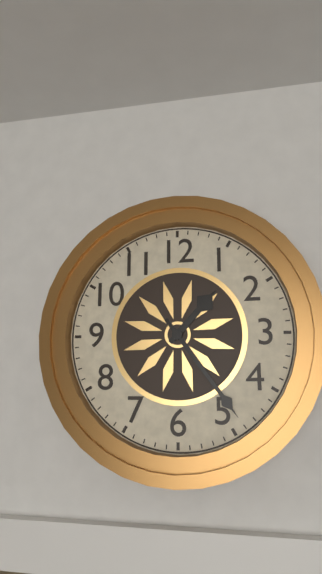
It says 1.24
